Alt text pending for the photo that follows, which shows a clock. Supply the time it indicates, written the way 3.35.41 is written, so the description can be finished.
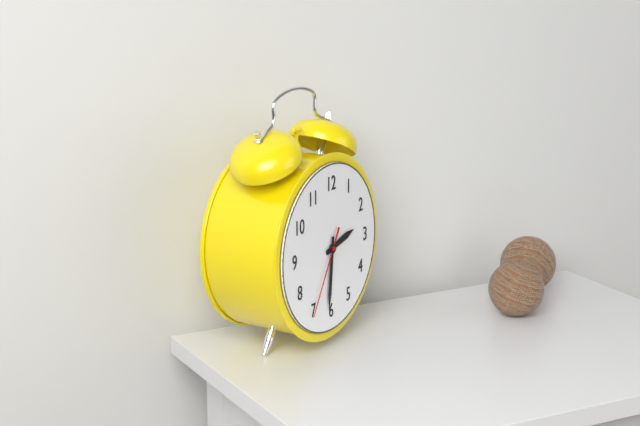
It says 2.31.35
